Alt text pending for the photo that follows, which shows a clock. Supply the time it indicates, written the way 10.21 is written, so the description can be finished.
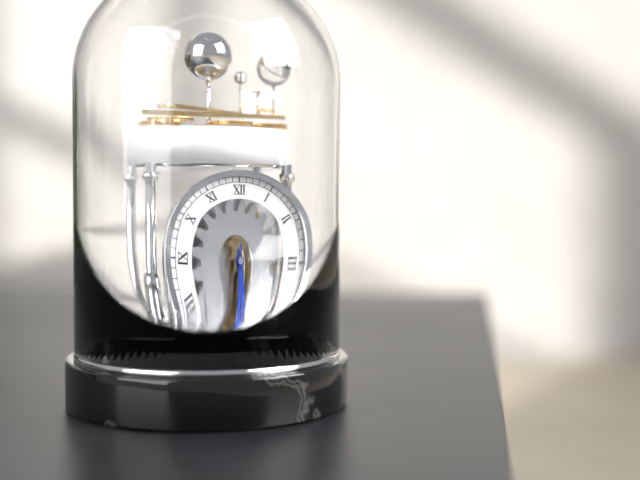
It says 5.30
